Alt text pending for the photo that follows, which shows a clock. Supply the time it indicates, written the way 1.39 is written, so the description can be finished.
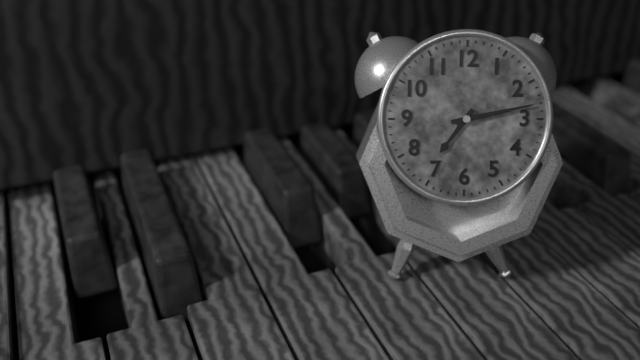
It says 7.13
